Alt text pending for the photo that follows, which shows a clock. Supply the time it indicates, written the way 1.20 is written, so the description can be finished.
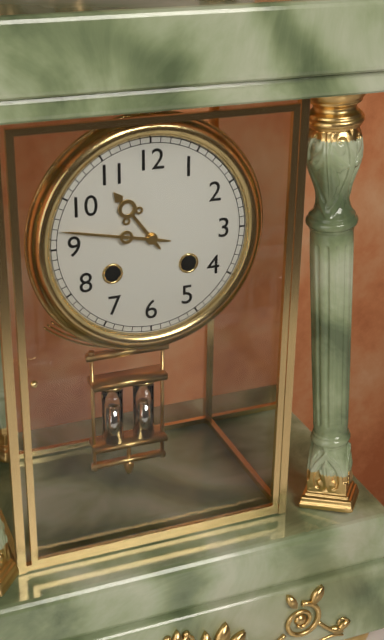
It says 10.47
